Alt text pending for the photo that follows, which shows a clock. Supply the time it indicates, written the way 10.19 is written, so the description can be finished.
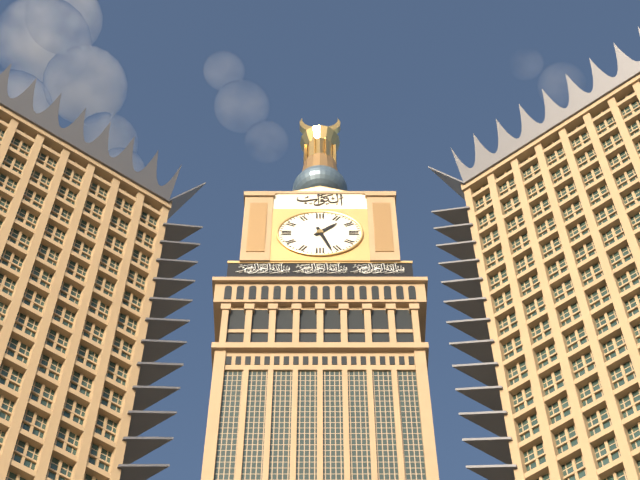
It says 1.27
